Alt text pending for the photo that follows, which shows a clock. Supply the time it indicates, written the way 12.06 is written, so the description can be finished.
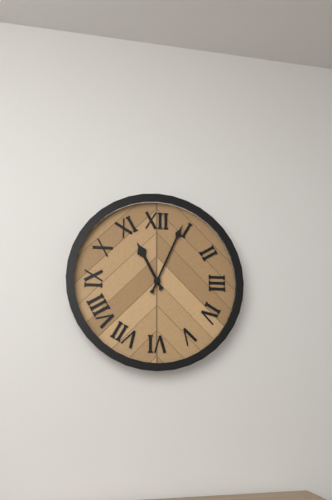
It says 11.04
